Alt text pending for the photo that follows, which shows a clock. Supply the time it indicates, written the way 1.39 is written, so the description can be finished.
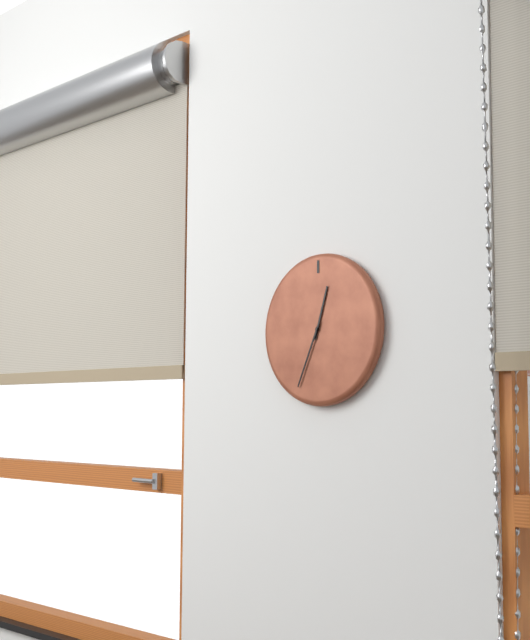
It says 12.34
